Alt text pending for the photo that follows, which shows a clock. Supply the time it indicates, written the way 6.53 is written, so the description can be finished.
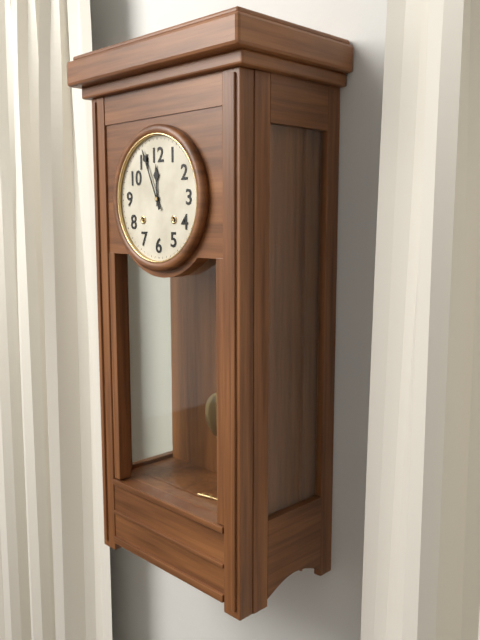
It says 11.56
